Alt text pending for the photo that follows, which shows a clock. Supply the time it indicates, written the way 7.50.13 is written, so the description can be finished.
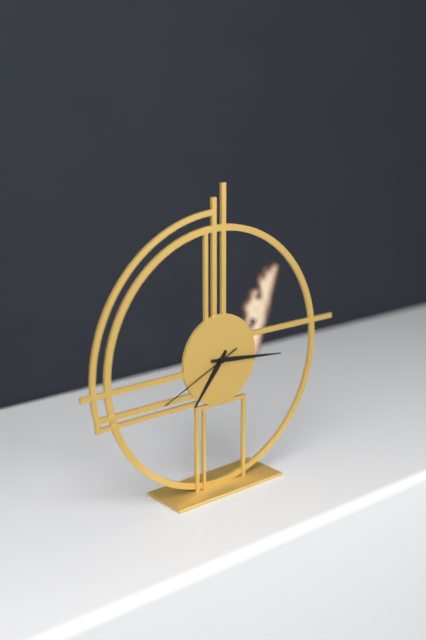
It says 7.16.41
